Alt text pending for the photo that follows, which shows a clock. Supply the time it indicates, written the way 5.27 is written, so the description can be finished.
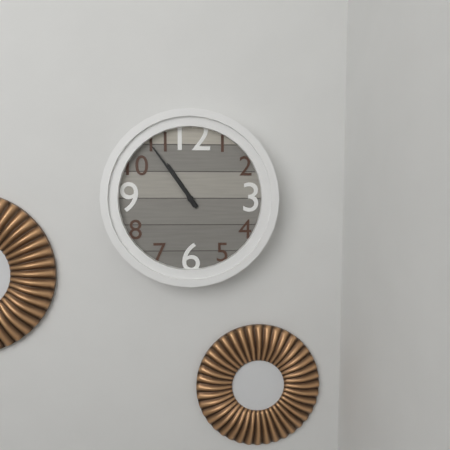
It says 10.54
